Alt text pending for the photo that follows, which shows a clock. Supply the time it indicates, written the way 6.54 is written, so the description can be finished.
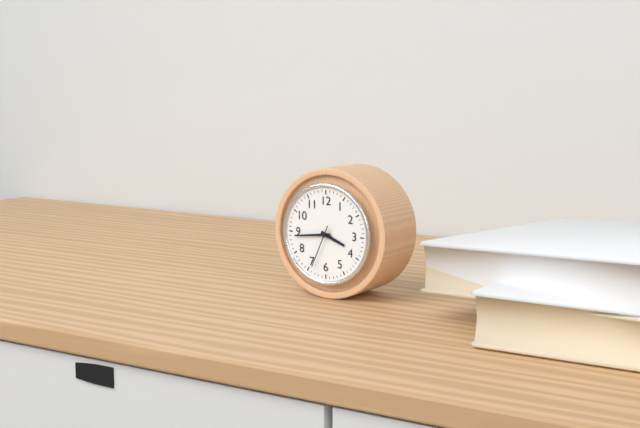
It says 3.44
